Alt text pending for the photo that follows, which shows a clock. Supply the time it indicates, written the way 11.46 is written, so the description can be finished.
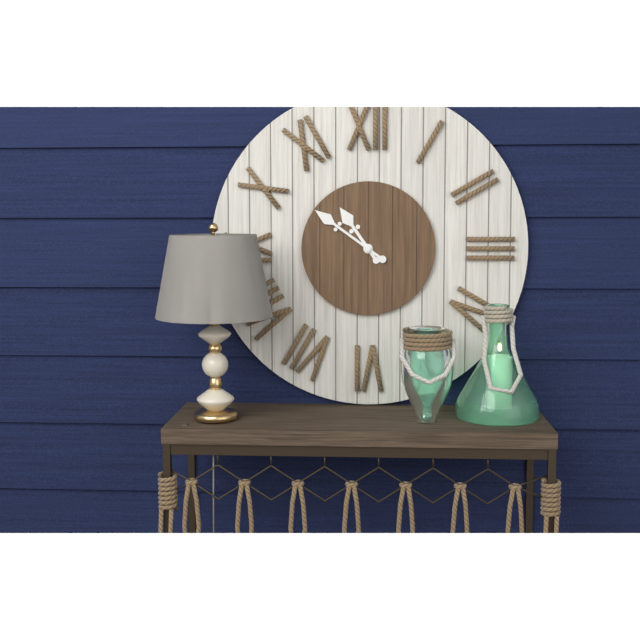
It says 10.51
